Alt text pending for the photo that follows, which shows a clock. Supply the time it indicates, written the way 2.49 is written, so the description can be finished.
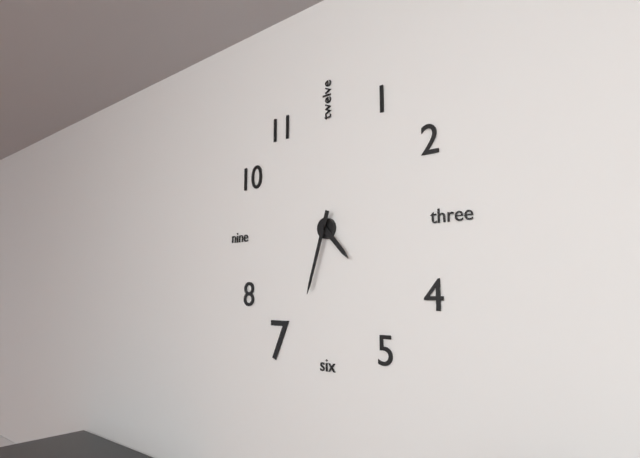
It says 4.33
